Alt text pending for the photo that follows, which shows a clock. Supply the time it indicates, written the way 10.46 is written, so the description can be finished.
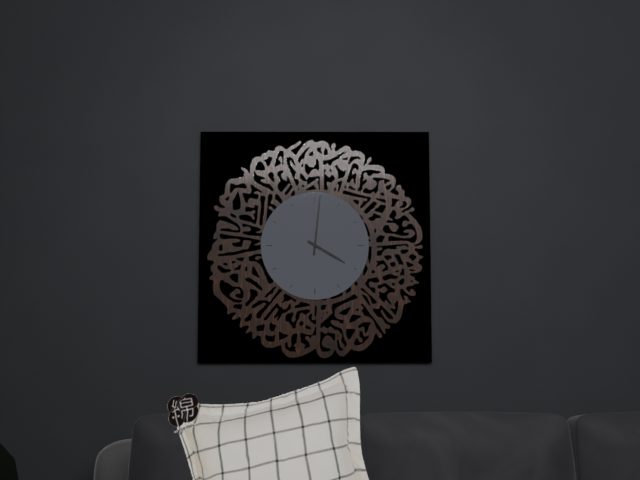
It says 4.01
